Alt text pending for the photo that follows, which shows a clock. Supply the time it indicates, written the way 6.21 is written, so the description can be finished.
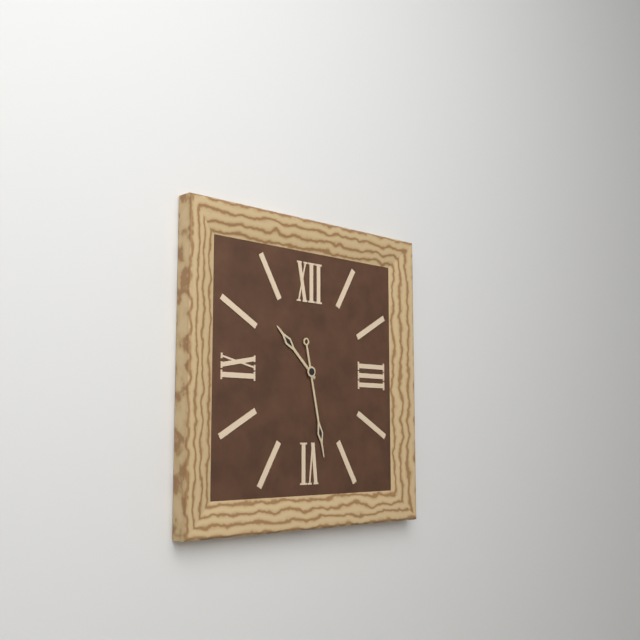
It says 10.28
